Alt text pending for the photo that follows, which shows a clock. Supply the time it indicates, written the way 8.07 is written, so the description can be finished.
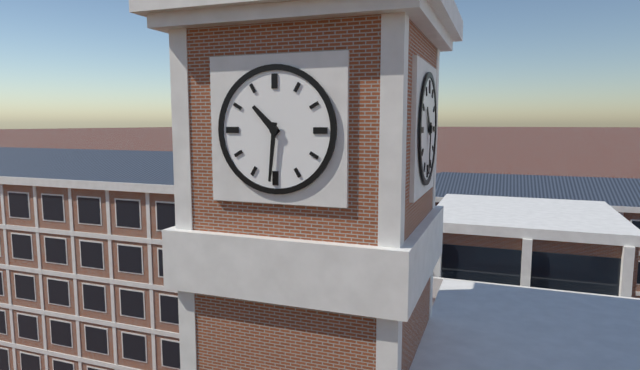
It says 10.31
